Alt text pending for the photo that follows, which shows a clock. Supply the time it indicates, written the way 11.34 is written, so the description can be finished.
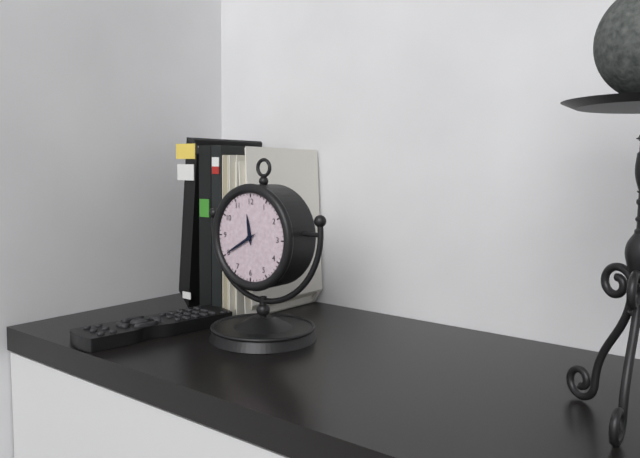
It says 11.40
